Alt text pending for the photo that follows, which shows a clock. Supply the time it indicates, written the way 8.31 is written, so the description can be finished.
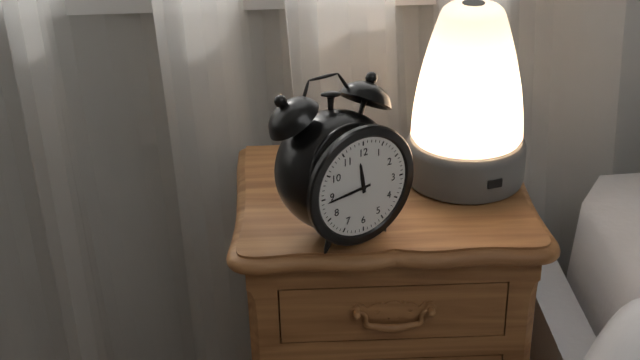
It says 11.44
